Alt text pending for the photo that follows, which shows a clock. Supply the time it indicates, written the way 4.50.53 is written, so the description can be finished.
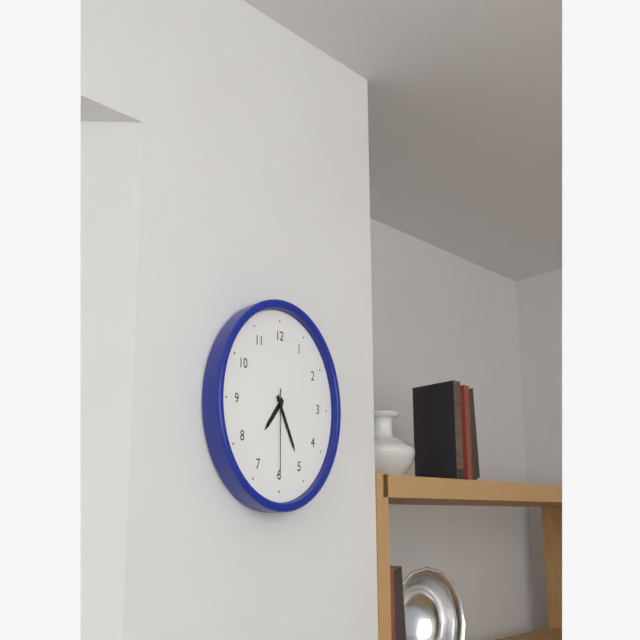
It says 7.25.30
